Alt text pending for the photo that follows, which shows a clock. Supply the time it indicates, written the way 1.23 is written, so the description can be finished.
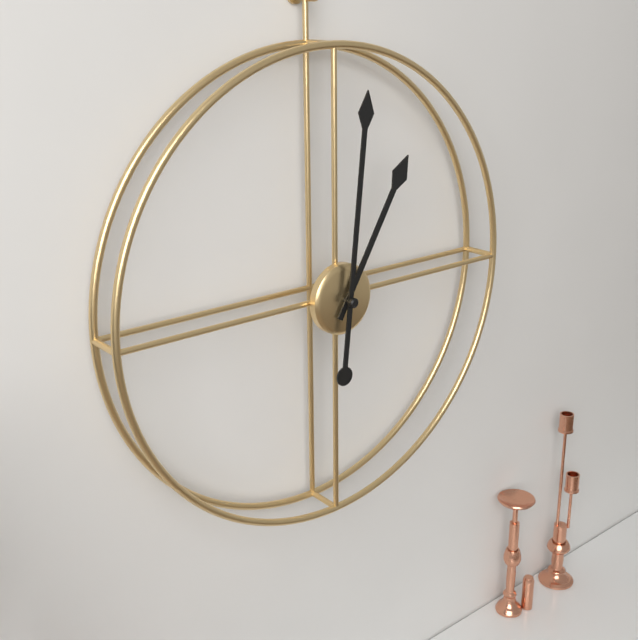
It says 1.01
